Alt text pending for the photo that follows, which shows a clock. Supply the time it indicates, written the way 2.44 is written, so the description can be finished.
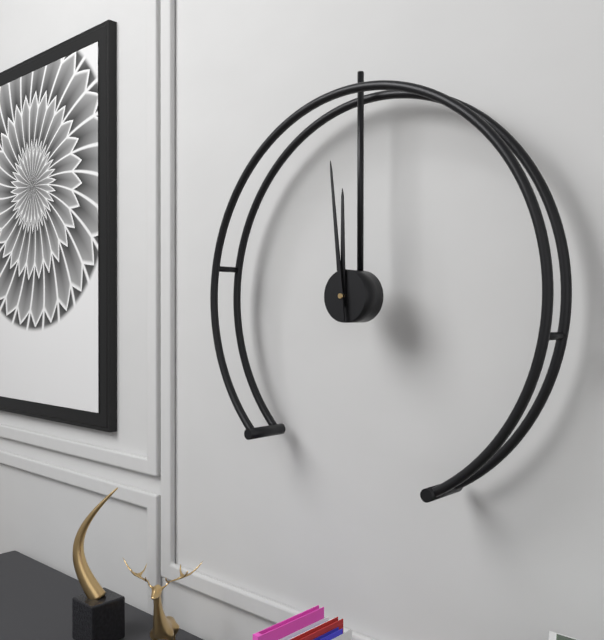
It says 11.59
